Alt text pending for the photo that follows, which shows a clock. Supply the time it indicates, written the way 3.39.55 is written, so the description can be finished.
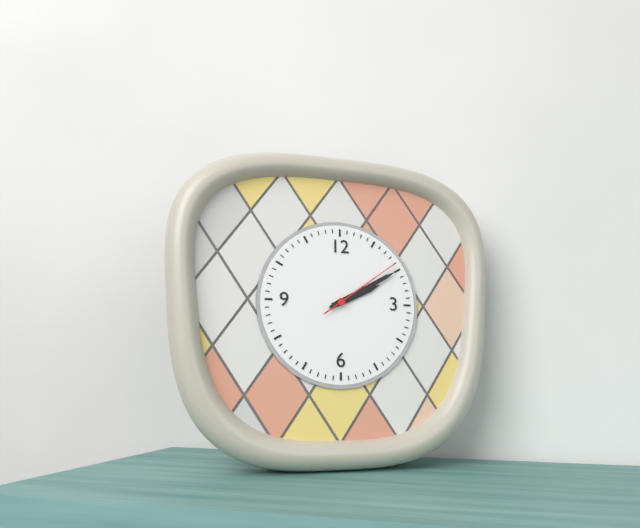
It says 2.10.09
